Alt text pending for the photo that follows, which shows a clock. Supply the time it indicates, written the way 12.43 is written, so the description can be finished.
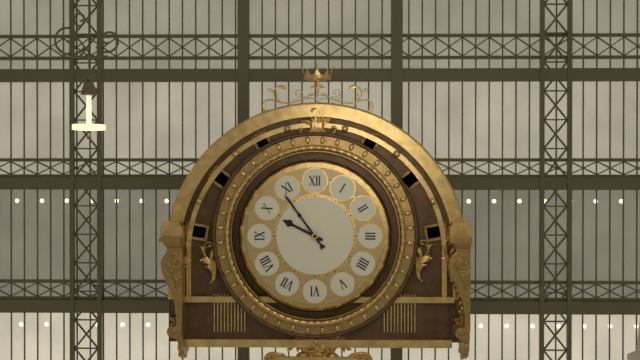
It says 9.54
